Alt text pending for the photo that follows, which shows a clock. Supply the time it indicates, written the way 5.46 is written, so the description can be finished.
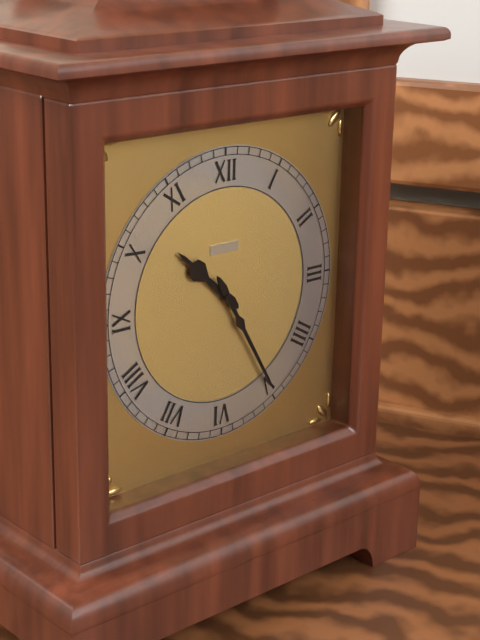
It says 10.25
